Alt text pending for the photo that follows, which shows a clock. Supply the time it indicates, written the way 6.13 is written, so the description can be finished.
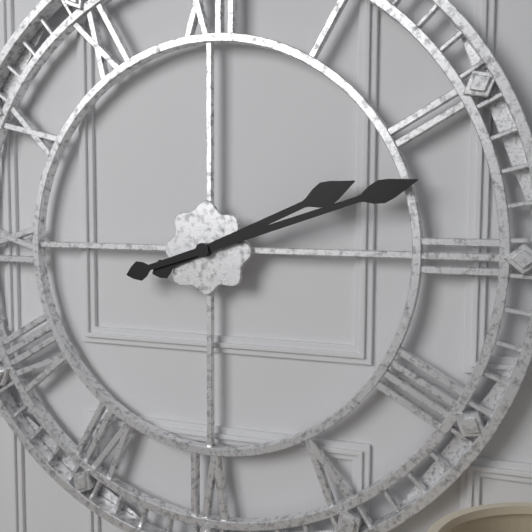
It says 2.12
